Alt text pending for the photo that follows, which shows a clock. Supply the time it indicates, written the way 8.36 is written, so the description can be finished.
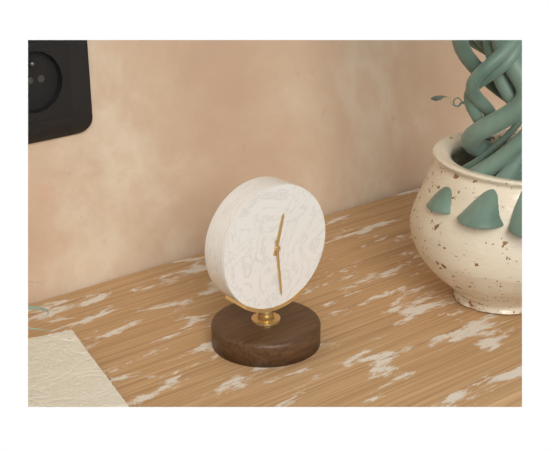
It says 12.29
